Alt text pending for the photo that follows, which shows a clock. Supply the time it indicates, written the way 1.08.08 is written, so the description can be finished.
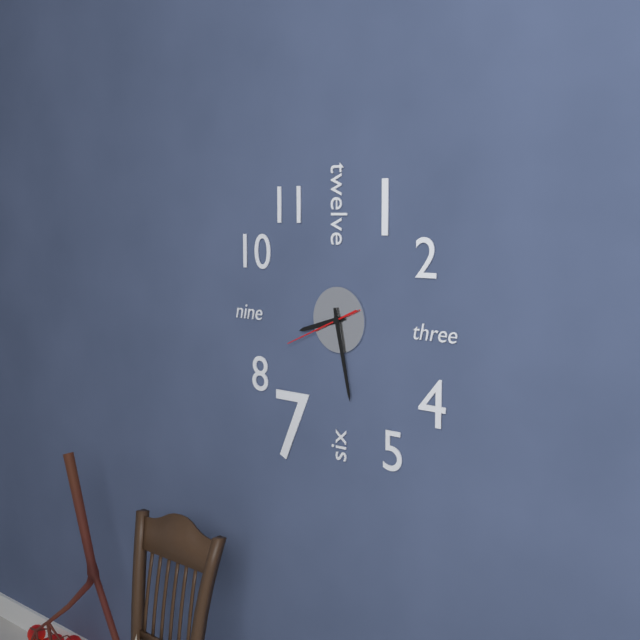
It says 8.28.41
